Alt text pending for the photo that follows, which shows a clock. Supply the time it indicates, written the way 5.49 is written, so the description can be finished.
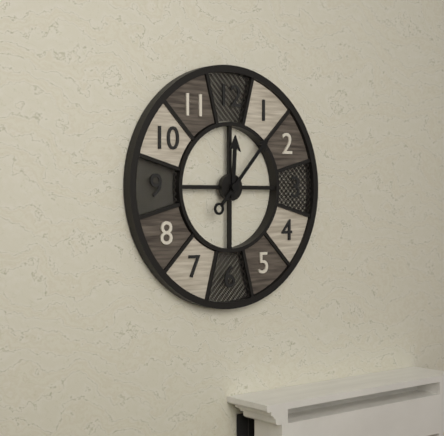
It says 12.07
